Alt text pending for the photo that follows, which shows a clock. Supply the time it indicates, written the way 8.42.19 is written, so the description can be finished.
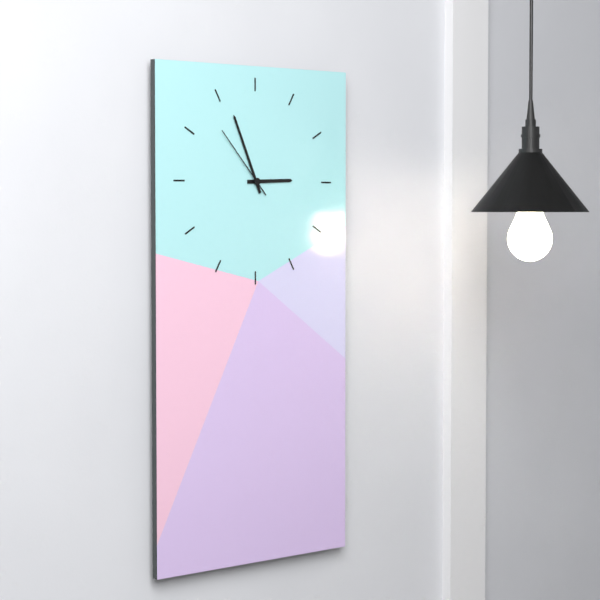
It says 2.56.53
